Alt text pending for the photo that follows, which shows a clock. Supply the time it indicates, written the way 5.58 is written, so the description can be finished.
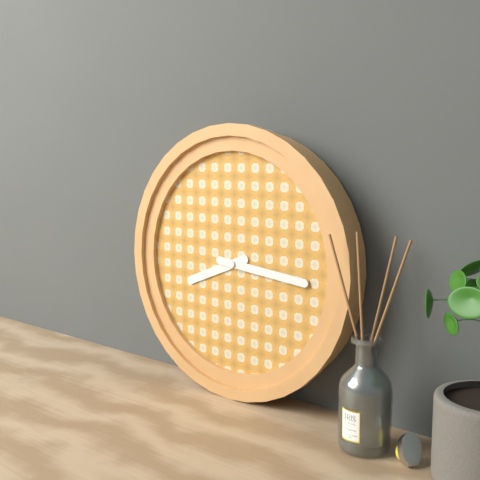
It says 8.16
